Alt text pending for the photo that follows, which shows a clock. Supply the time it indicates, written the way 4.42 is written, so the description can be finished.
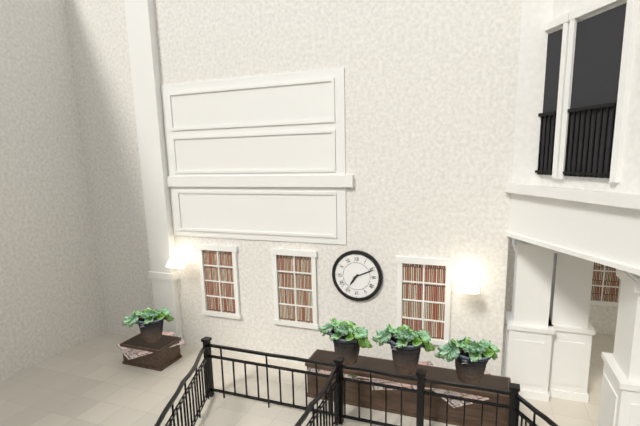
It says 7.11
